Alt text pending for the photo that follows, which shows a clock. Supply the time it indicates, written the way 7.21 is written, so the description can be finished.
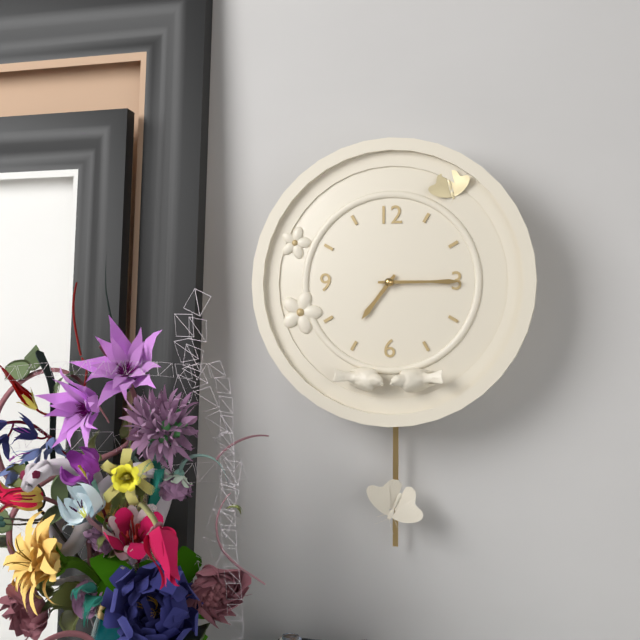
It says 7.15
